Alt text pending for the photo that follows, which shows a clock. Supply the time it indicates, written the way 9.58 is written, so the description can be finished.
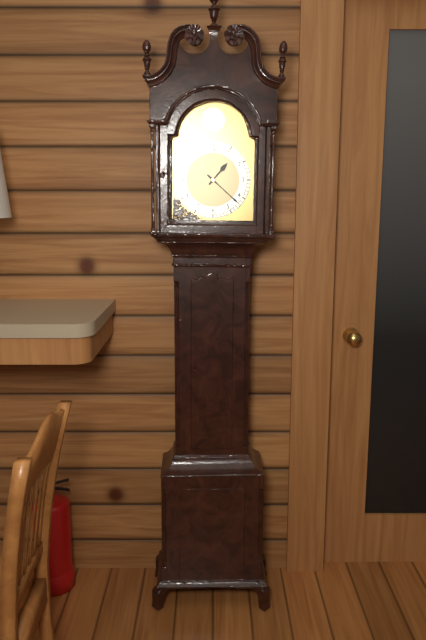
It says 1.22
